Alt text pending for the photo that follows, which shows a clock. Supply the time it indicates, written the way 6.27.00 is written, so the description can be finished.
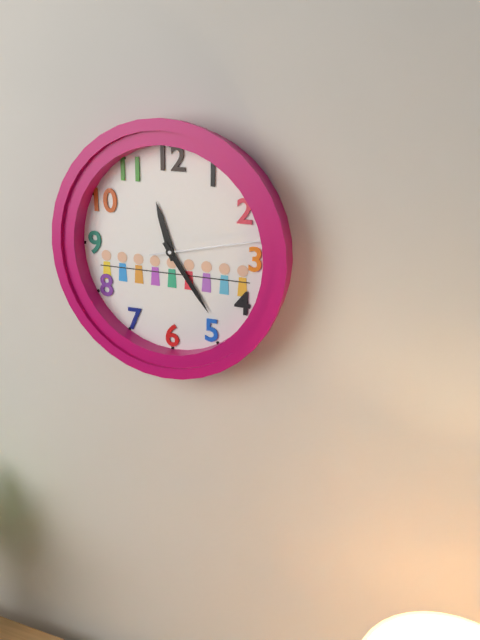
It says 11.24.13
